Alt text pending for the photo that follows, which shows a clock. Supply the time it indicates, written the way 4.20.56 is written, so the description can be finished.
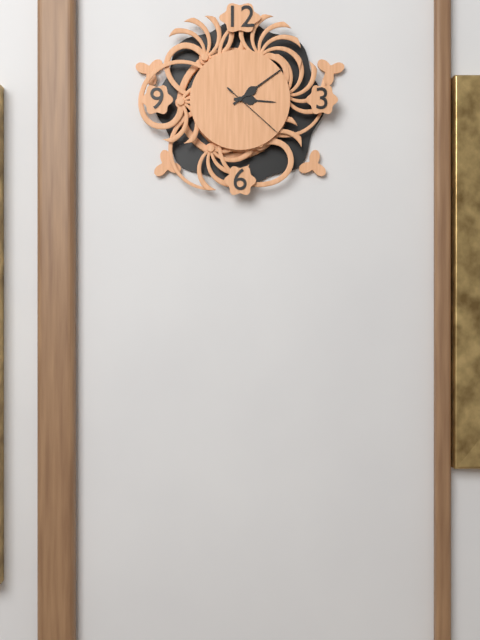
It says 3.09.22
